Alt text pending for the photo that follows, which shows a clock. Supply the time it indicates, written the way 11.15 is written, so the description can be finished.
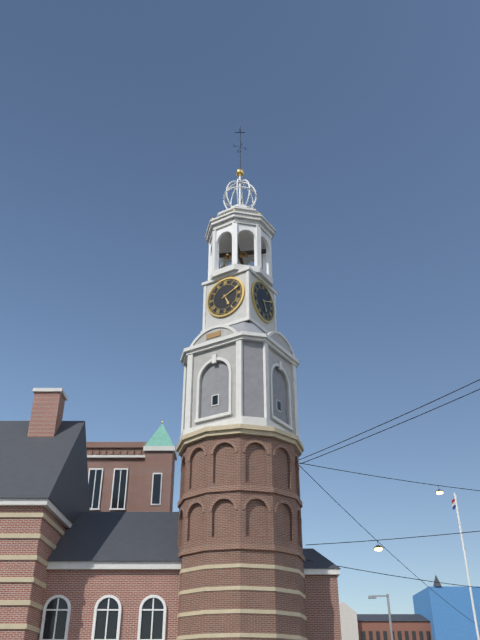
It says 5.11
